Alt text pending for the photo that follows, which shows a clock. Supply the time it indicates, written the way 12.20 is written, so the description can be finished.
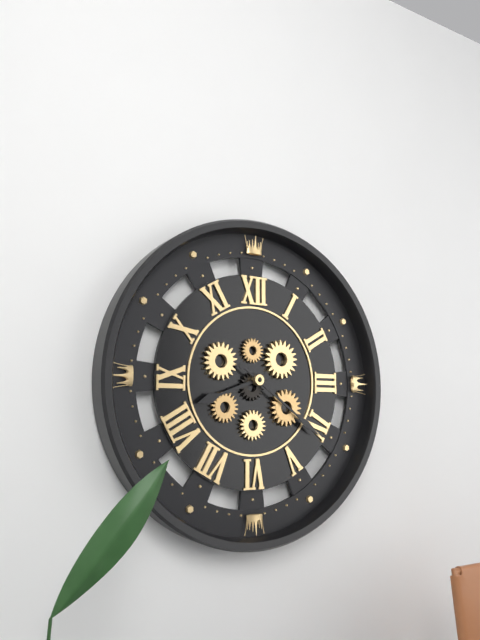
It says 8.21
